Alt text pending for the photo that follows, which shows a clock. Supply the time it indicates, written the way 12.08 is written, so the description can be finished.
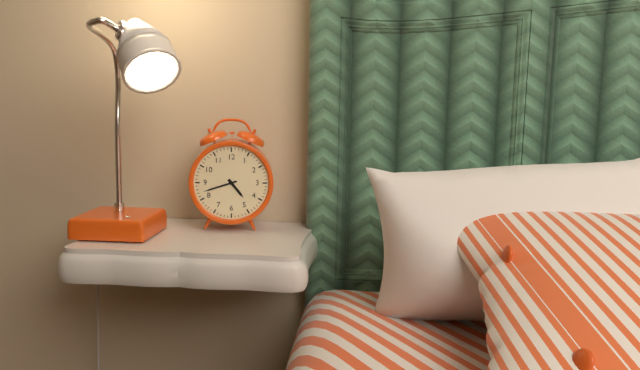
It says 4.42
